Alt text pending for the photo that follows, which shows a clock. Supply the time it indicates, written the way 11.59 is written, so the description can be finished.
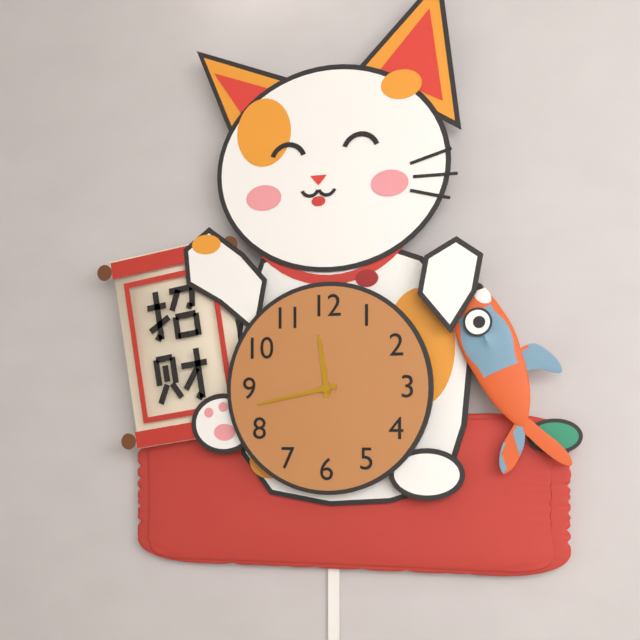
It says 11.43
